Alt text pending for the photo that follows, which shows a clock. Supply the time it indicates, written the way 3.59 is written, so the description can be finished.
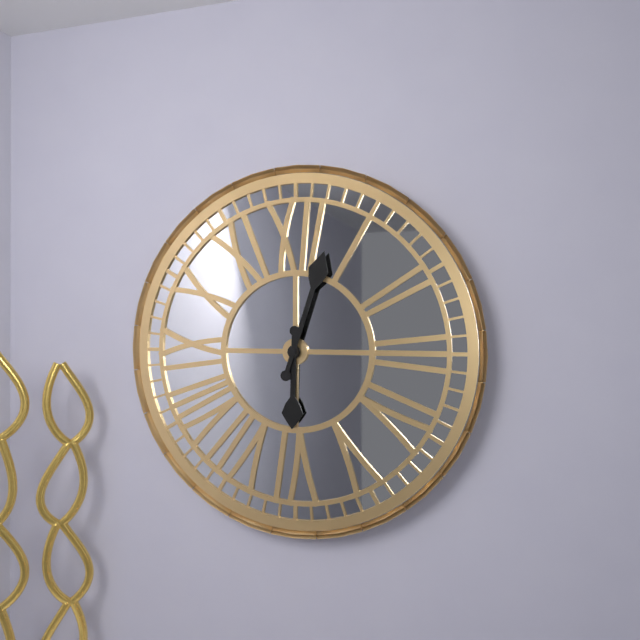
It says 6.03
